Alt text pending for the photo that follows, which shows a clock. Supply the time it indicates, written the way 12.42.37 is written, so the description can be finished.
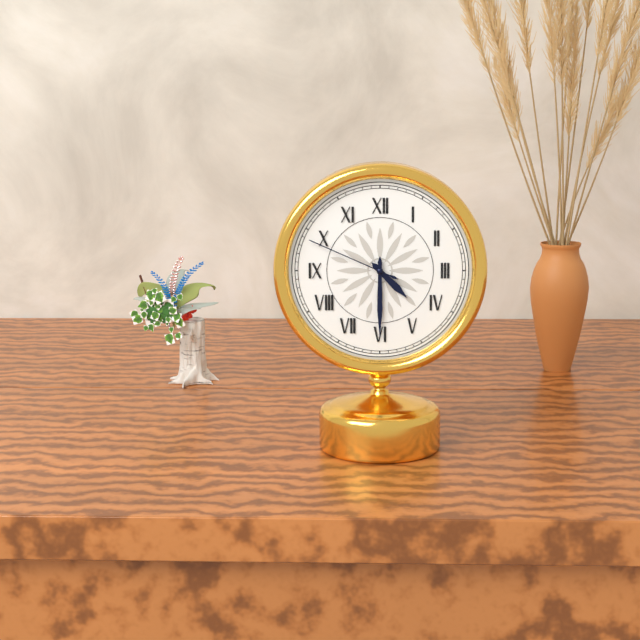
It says 4.30.49
